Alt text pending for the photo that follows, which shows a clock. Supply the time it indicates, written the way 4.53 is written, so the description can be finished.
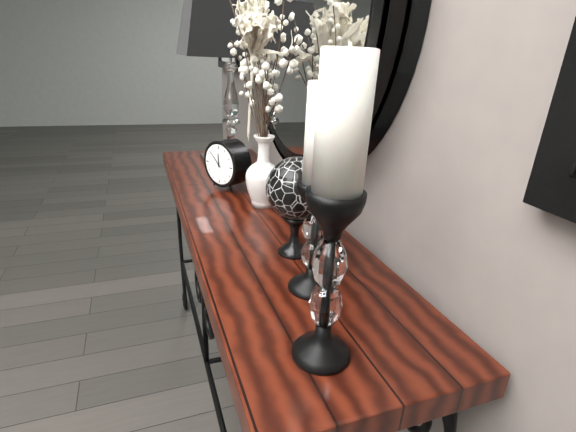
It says 11.52
